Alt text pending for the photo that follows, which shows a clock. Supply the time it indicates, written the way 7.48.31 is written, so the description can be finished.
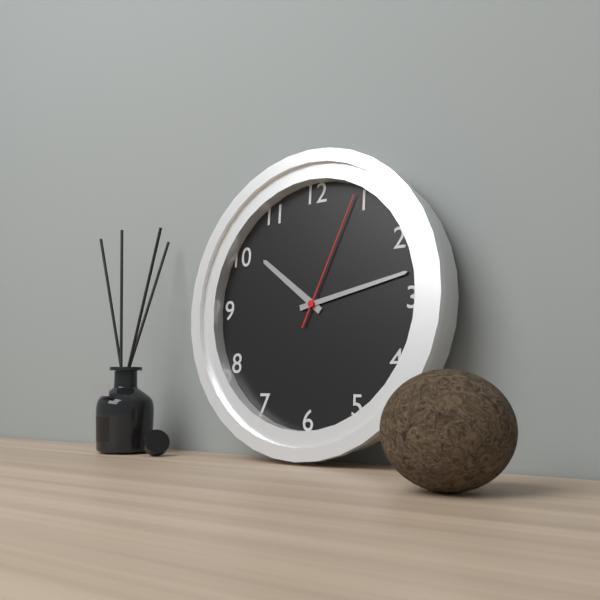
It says 10.13.04
